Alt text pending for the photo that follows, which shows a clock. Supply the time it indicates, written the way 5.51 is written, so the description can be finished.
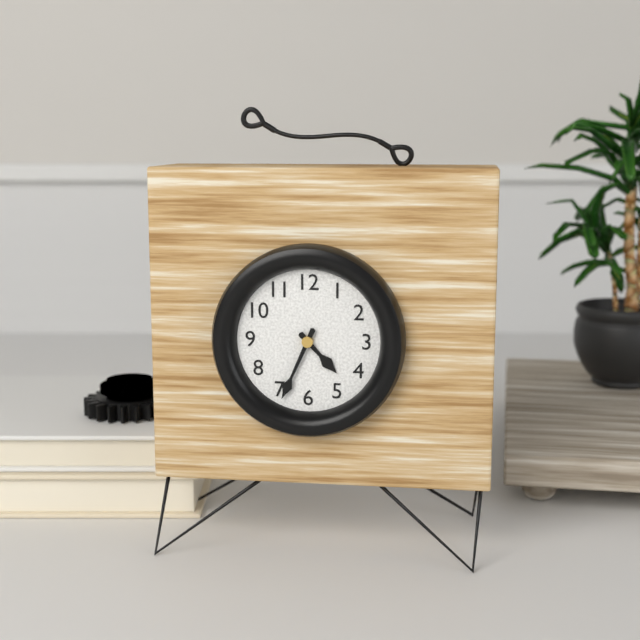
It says 4.34
